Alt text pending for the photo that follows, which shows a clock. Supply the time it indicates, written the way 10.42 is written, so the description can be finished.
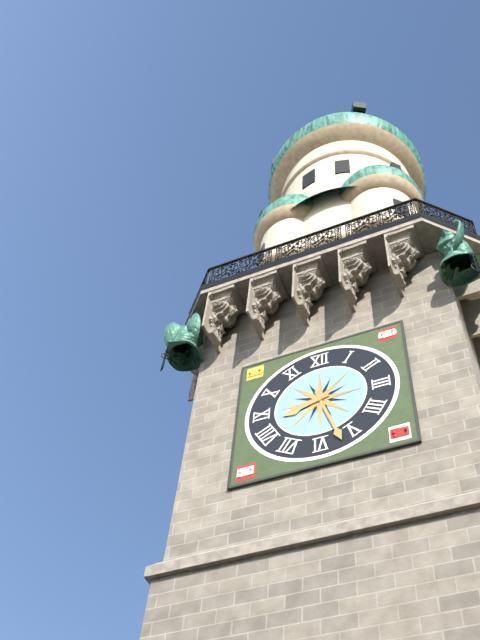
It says 8.27
